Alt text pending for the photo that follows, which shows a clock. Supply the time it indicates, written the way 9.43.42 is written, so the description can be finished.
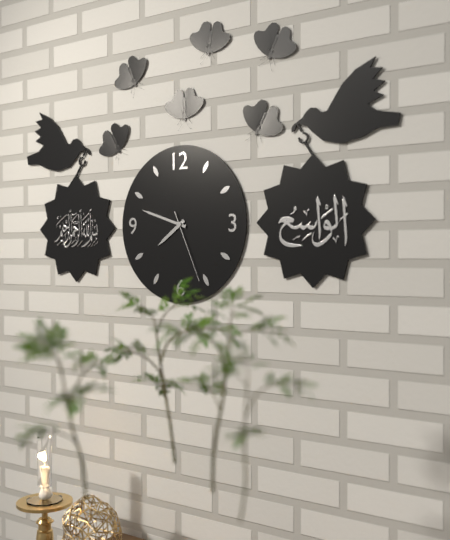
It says 7.48.26
